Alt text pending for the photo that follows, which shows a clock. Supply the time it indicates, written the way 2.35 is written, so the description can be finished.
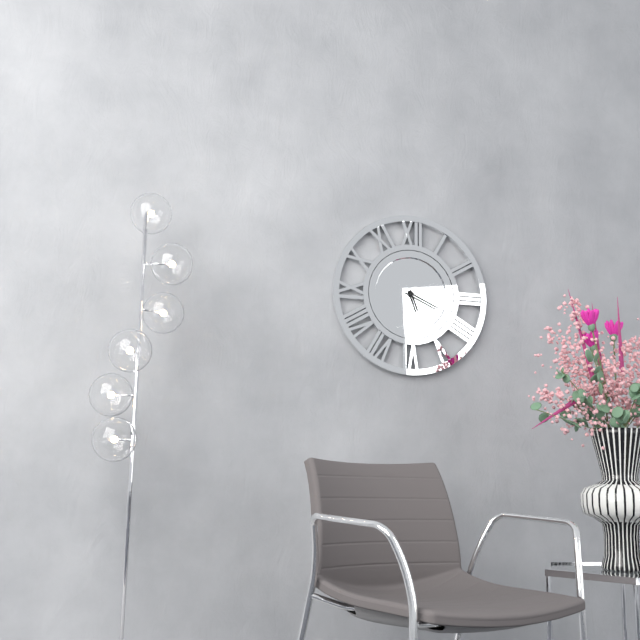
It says 5.19
